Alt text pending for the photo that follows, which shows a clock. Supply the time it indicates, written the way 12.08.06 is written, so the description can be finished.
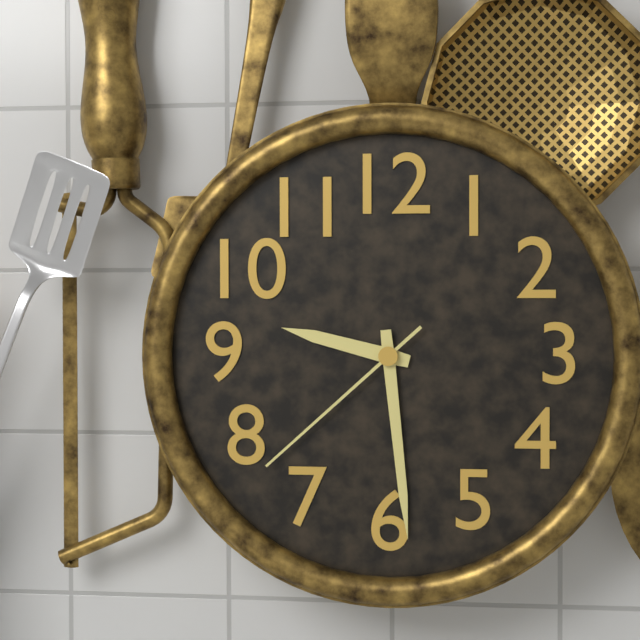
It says 9.29.38
